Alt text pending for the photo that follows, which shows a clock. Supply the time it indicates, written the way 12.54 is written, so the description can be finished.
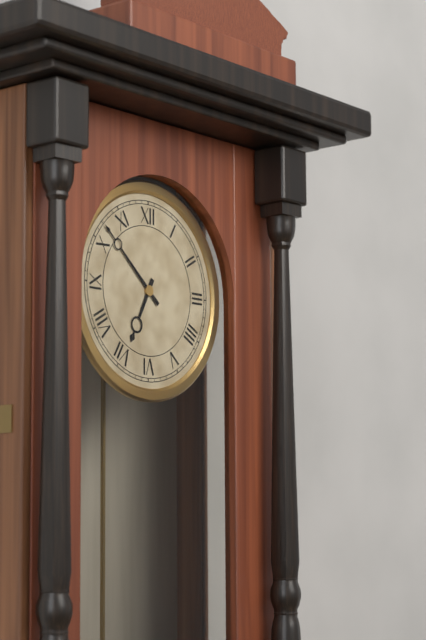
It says 6.52
